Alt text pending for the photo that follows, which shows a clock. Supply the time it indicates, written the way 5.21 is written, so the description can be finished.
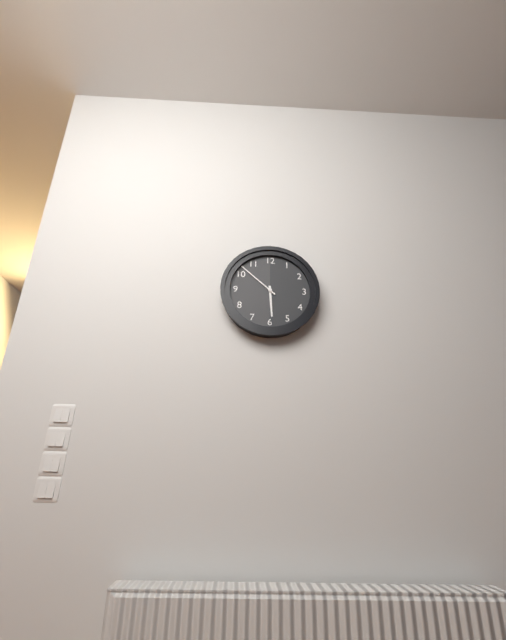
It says 5.52
